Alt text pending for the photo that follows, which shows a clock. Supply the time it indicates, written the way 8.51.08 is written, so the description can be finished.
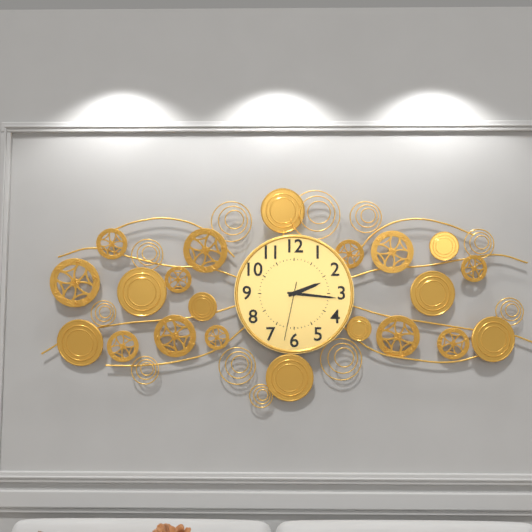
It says 2.16.32
